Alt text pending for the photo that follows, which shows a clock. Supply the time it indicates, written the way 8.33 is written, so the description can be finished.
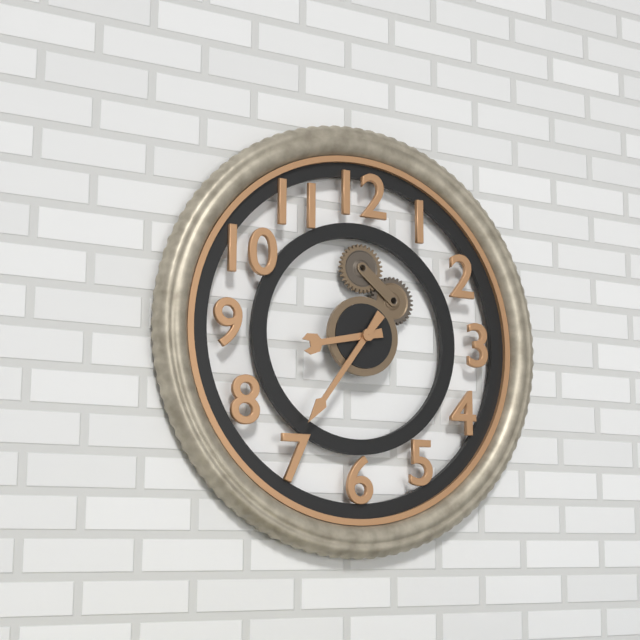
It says 8.36
